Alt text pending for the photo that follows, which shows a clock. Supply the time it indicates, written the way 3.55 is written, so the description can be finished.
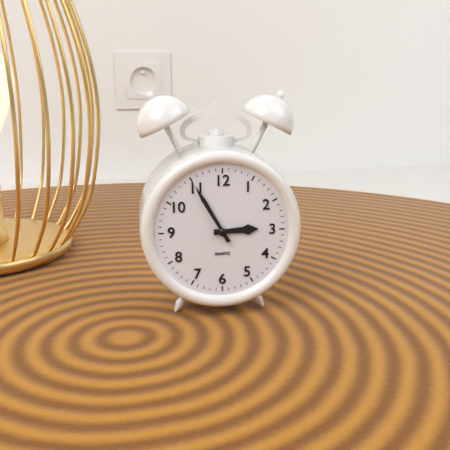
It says 2.55
